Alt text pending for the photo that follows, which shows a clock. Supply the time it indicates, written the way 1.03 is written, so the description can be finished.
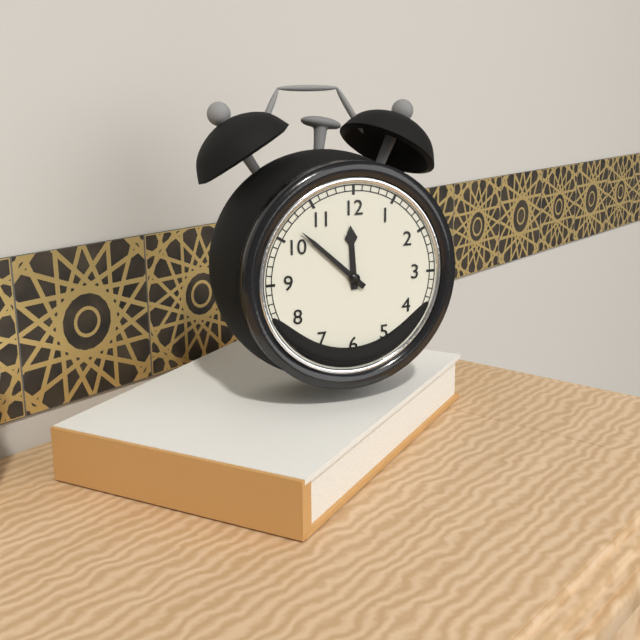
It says 11.52
